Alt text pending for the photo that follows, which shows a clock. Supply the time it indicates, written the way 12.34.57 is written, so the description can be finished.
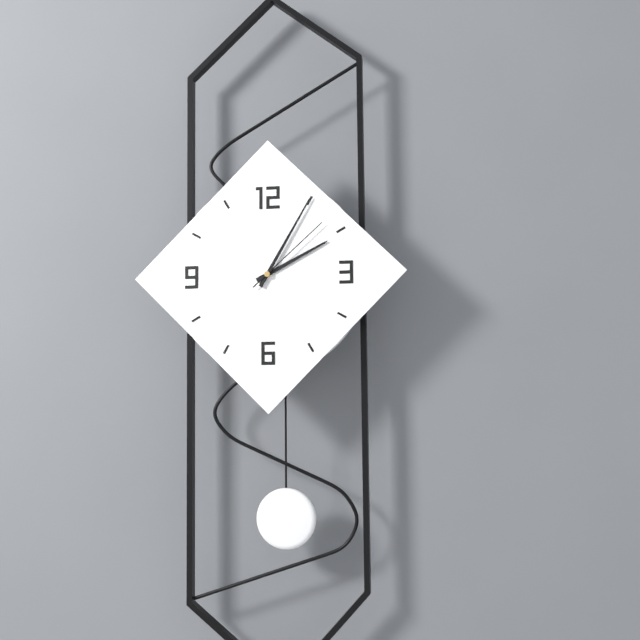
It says 2.05.08
